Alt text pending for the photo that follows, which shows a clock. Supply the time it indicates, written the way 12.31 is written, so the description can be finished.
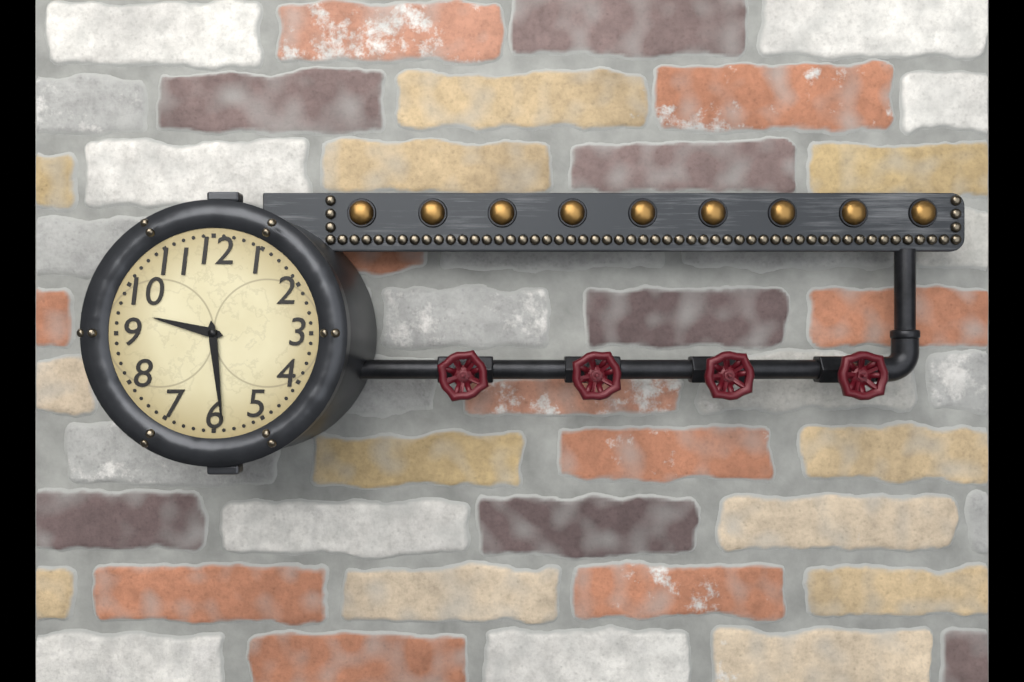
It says 9.29
